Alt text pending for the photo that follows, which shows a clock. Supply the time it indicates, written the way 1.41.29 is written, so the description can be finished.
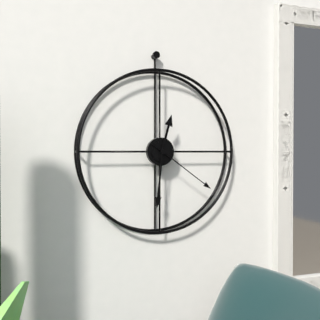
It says 12.31.21
